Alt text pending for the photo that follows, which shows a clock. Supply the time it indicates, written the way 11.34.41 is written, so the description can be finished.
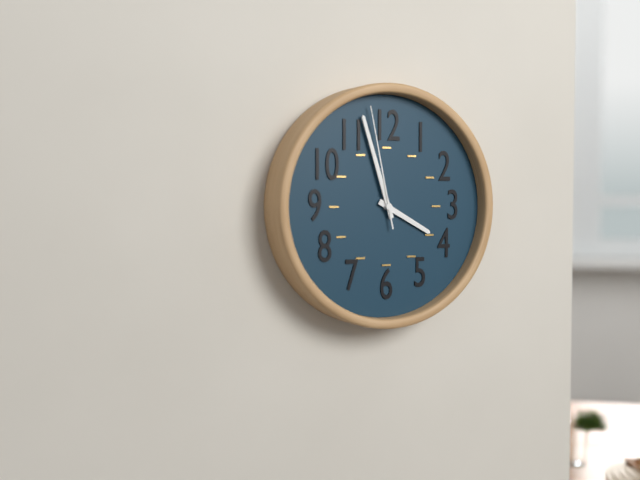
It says 3.57.58
